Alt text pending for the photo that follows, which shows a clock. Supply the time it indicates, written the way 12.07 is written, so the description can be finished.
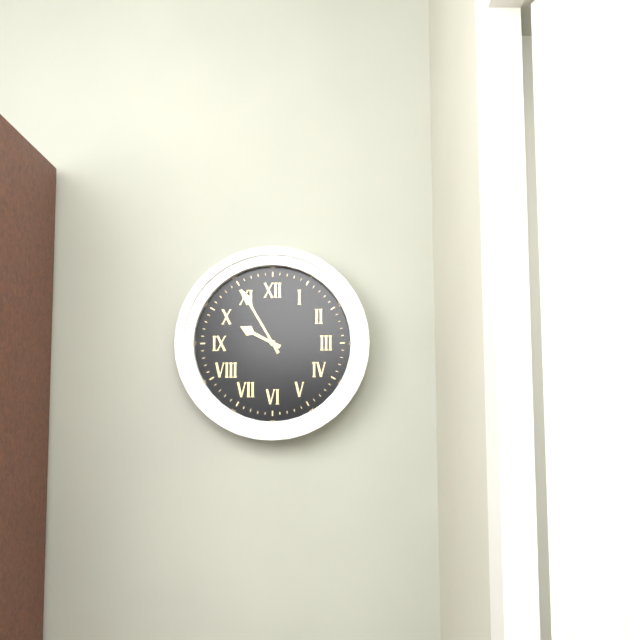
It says 9.55
